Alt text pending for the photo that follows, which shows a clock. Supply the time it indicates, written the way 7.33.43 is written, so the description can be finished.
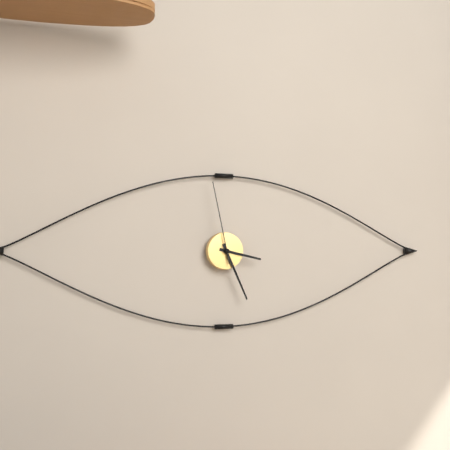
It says 3.26.58
